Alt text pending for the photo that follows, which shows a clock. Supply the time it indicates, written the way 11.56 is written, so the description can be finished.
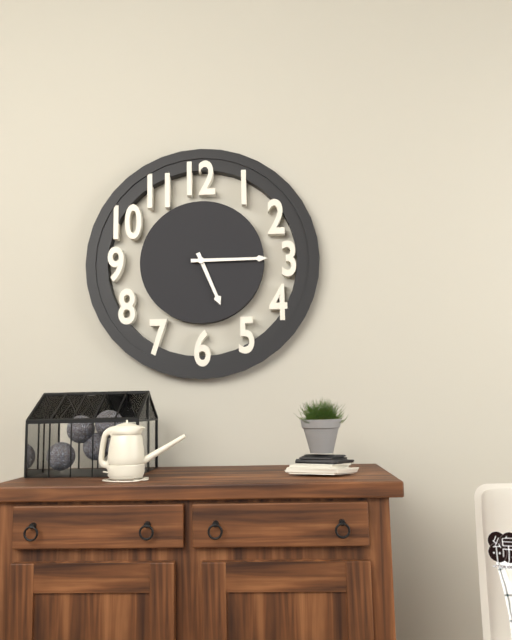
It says 5.15
